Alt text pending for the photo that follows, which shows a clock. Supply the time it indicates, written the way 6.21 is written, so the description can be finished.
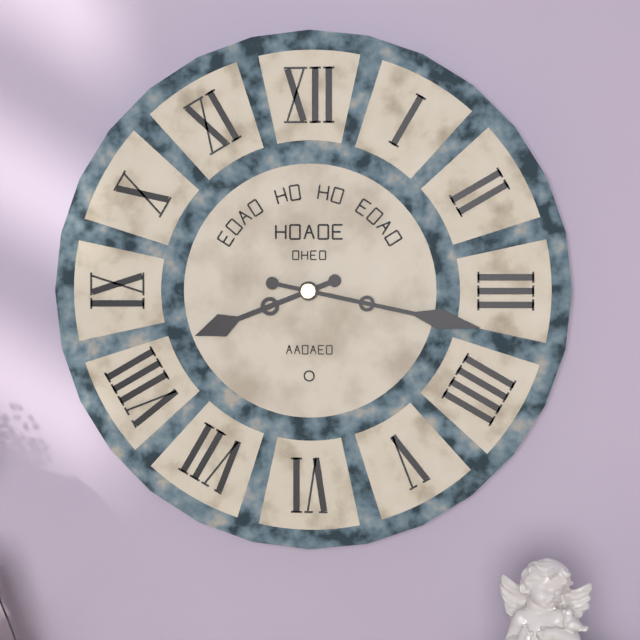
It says 8.17
